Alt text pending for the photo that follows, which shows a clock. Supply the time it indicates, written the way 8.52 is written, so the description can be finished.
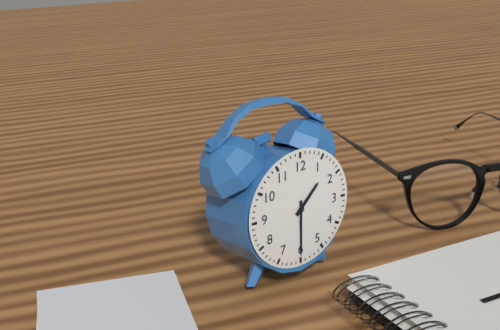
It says 1.30
